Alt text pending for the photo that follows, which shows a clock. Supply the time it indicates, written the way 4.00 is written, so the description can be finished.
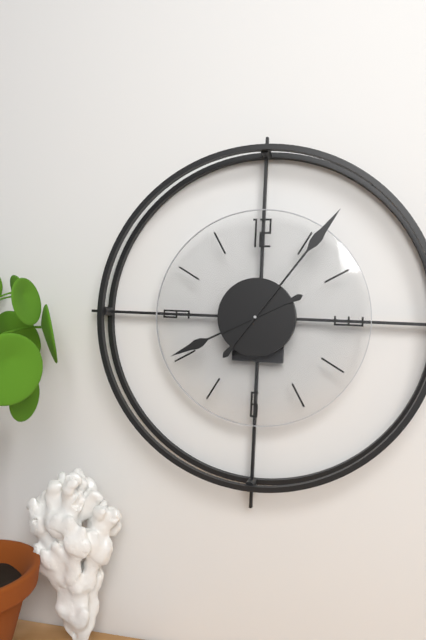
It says 8.06
